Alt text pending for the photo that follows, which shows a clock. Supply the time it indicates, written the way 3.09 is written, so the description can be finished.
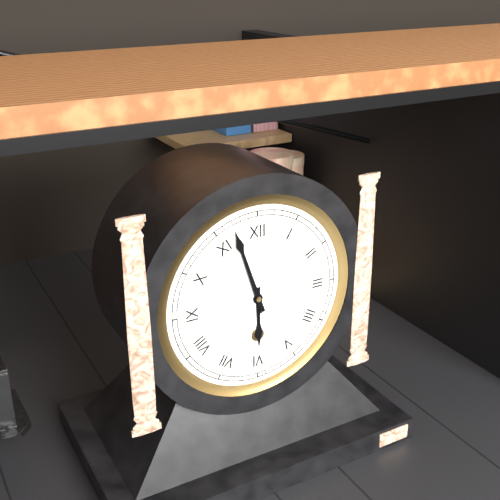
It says 5.57
